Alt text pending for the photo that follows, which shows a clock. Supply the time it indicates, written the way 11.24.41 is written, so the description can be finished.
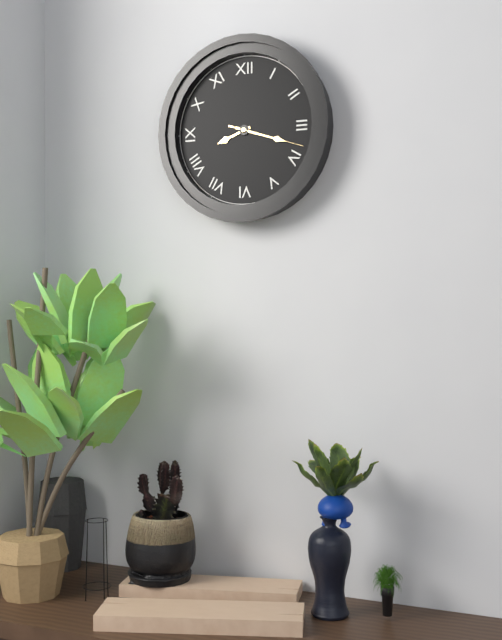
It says 8.18.18
